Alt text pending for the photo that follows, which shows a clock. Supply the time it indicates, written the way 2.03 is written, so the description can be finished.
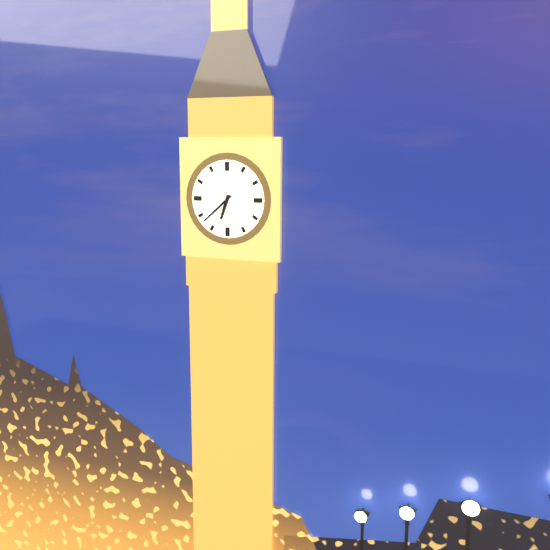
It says 6.38
